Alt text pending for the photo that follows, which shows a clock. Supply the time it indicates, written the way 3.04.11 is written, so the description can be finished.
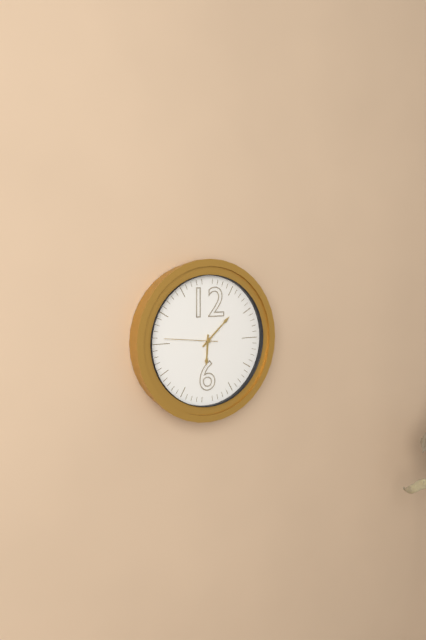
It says 6.08.46
